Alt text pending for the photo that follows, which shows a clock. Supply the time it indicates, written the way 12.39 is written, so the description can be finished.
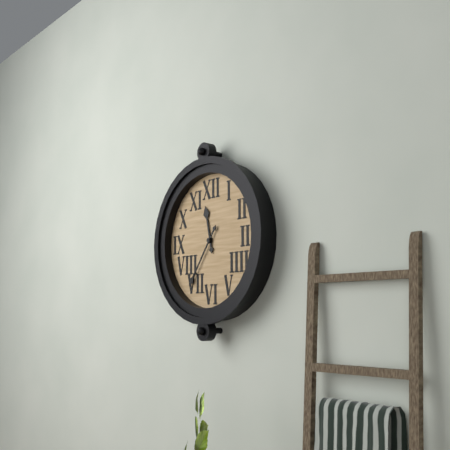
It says 11.36
